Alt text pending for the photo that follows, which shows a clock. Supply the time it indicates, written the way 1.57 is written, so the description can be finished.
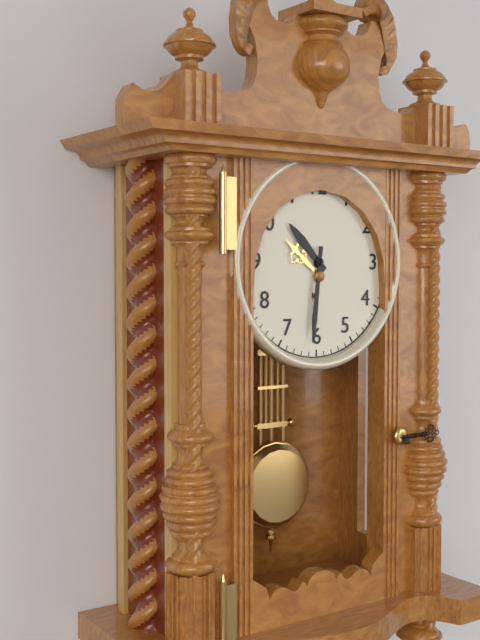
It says 10.31
